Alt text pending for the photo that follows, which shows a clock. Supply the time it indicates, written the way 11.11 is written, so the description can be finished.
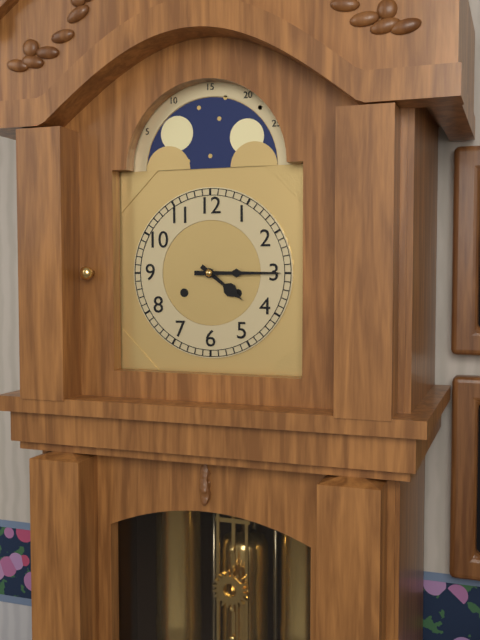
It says 4.15
